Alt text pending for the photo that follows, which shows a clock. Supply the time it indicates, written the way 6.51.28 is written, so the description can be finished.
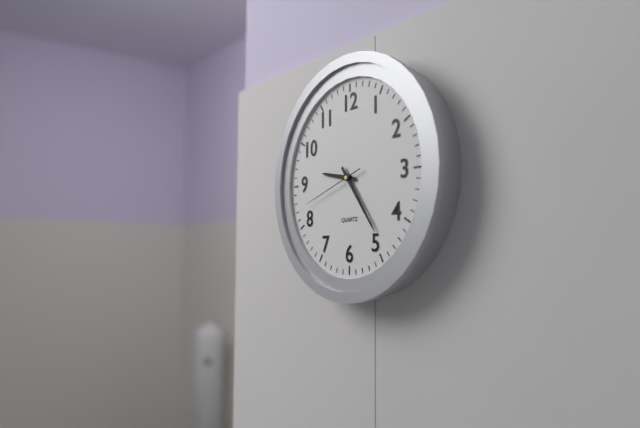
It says 9.24.42
